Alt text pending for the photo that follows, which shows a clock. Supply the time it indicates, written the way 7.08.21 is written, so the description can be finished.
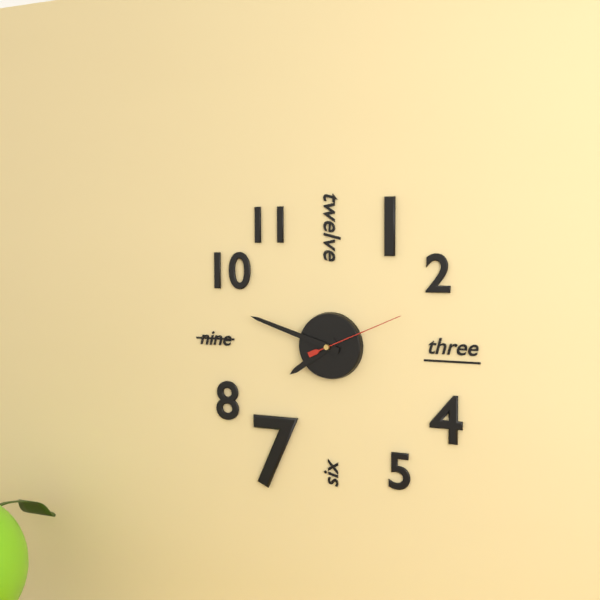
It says 7.48.11
